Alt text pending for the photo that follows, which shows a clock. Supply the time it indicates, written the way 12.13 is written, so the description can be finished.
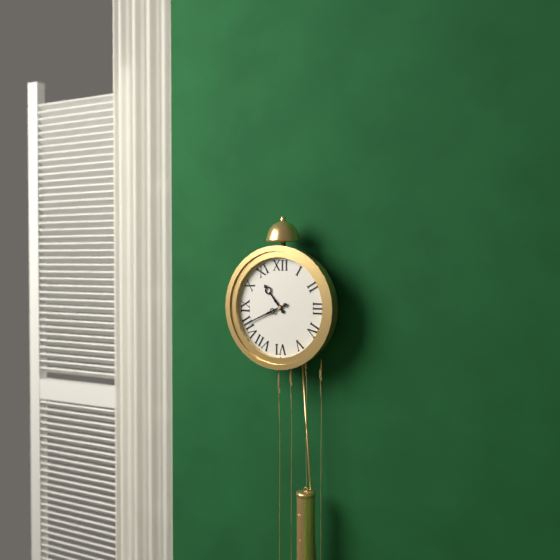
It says 10.41
